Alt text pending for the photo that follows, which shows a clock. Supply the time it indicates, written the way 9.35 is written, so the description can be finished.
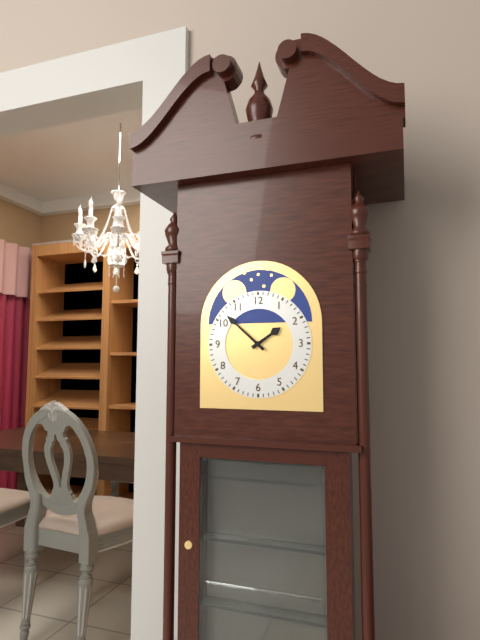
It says 1.52
